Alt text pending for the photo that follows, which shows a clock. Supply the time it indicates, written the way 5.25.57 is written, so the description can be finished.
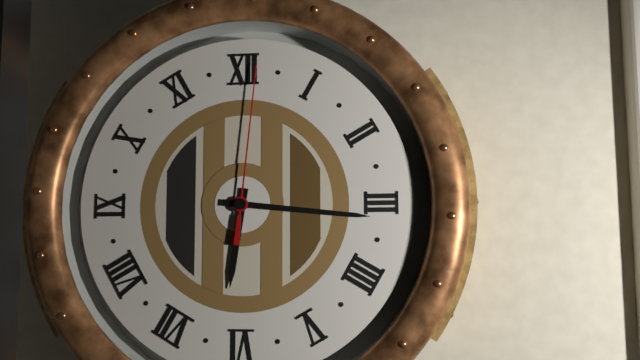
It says 6.16.01
